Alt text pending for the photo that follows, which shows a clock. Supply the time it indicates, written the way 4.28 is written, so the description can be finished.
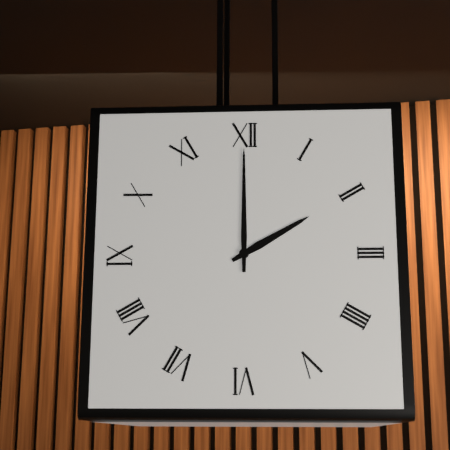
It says 2.00
